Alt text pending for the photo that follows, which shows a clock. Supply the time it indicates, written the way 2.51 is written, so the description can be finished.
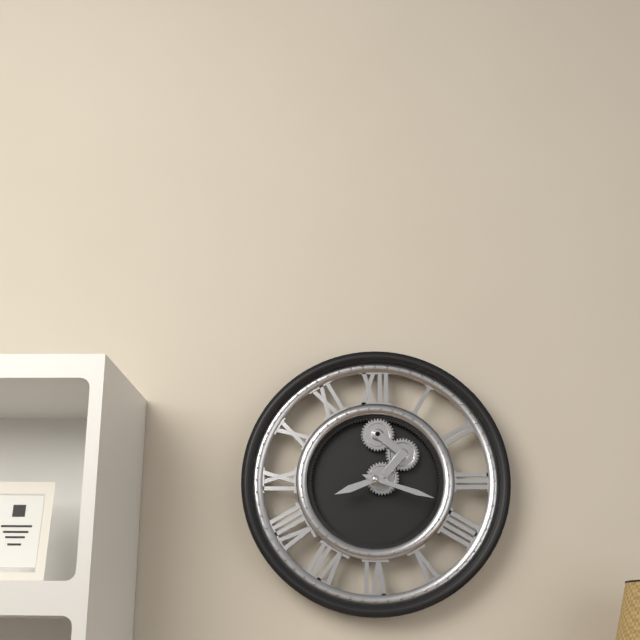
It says 8.18
